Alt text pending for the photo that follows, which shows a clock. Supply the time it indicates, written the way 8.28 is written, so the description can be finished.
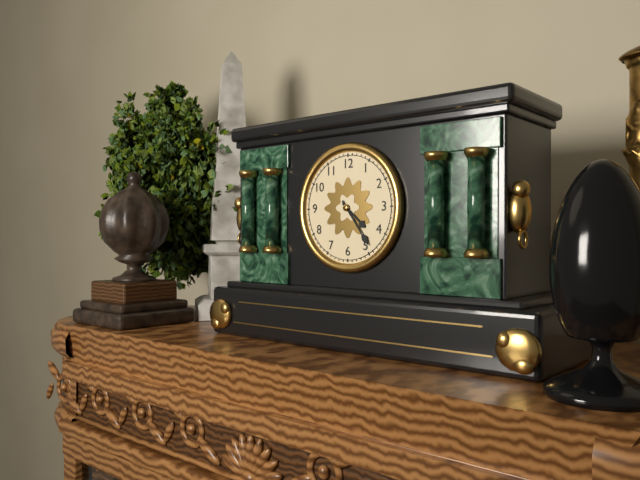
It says 4.24
